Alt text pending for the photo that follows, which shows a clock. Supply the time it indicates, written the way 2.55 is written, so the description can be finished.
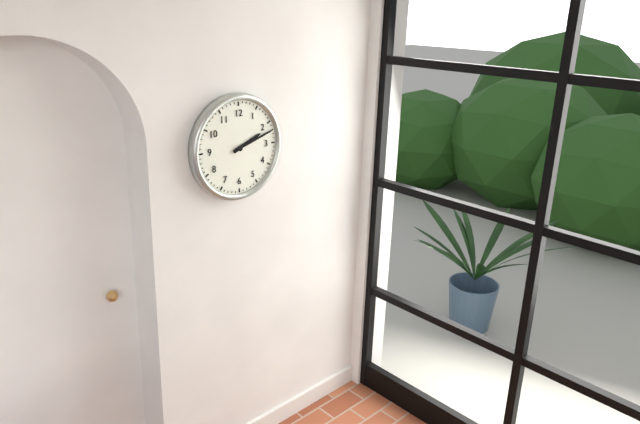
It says 2.12
